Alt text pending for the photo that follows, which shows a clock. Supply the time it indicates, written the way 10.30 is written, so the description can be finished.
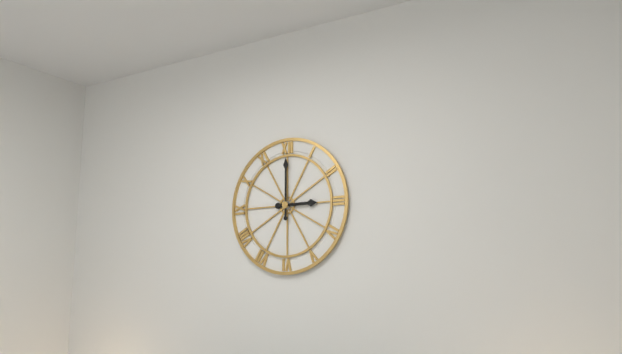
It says 3.00
